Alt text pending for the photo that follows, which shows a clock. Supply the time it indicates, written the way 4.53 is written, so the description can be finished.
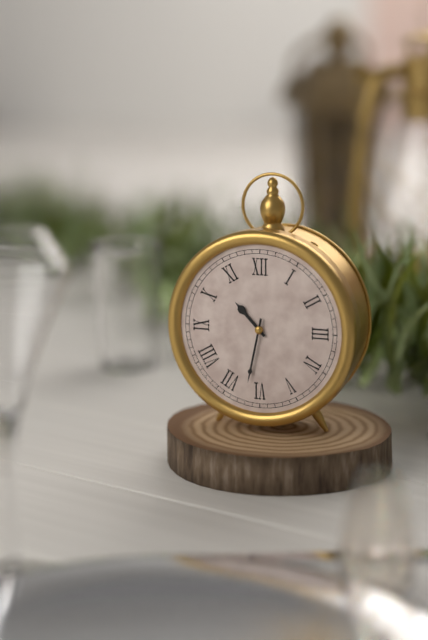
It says 10.32
